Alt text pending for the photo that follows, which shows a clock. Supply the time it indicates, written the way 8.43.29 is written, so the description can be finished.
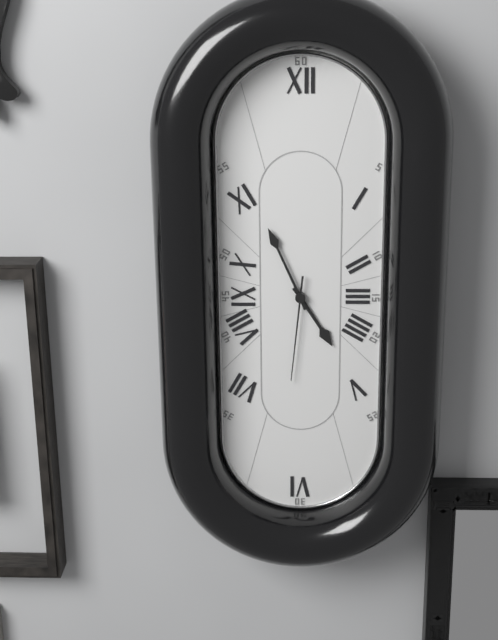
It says 4.56.31
